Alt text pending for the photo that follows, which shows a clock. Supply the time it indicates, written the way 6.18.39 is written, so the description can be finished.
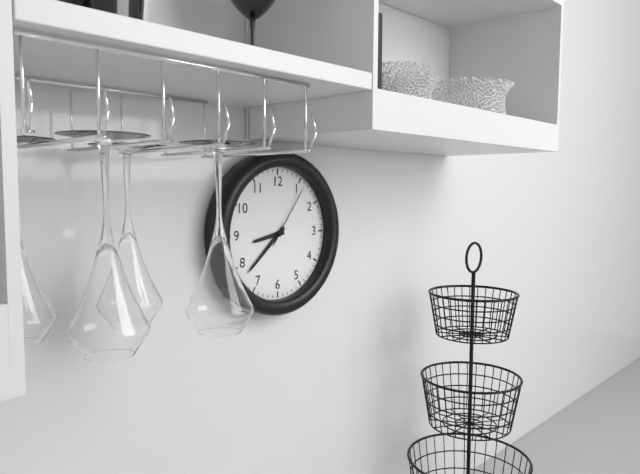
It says 8.38.06
